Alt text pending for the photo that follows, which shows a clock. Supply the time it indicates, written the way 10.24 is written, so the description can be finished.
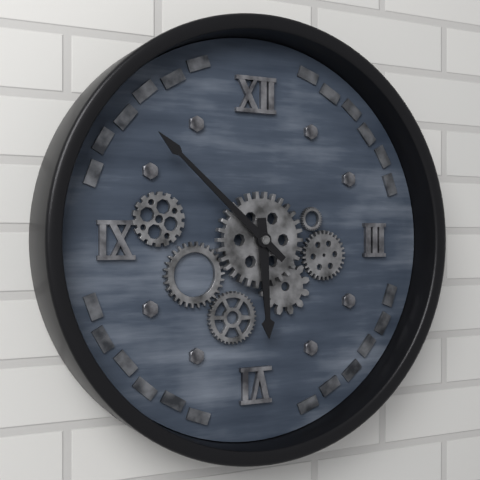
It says 5.52
